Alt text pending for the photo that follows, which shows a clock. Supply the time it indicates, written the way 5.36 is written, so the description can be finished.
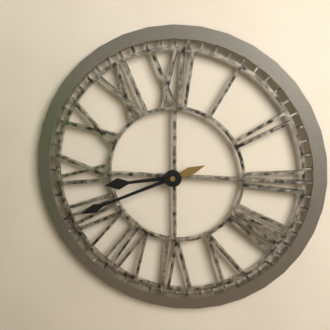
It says 8.41
